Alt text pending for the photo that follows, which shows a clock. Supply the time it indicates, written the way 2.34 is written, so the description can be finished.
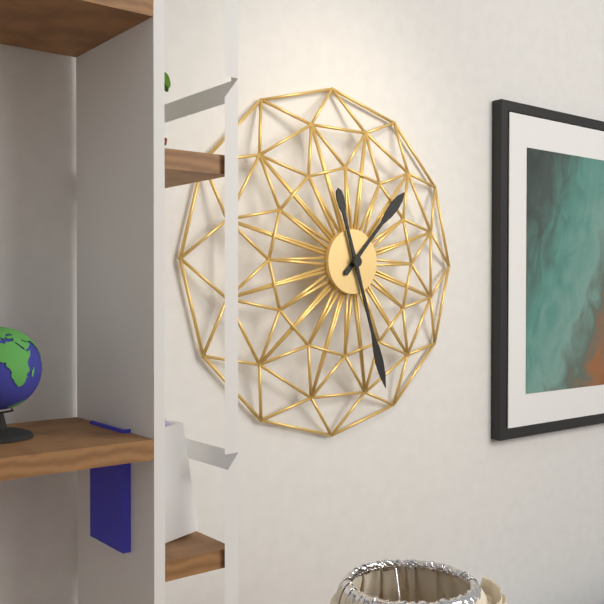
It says 1.27
